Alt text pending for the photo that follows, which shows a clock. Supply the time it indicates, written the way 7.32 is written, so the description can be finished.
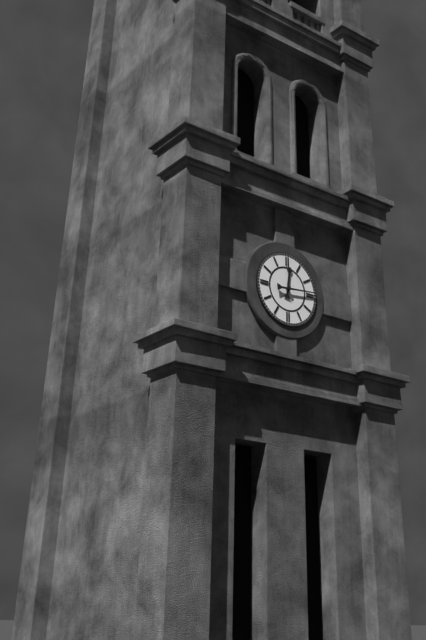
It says 12.14
